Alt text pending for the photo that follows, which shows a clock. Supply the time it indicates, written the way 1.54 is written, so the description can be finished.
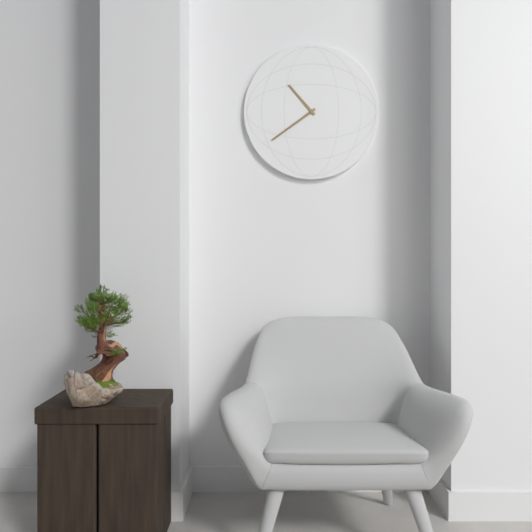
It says 10.39
